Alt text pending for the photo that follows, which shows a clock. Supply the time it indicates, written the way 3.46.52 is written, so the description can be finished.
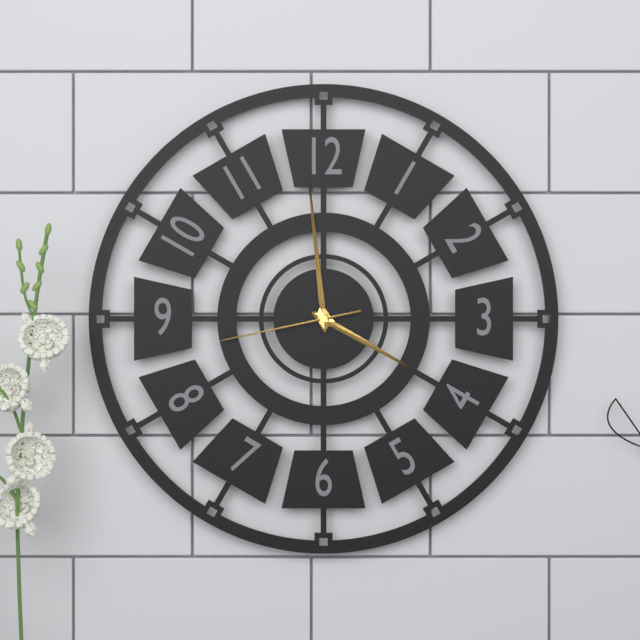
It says 3.59.43
